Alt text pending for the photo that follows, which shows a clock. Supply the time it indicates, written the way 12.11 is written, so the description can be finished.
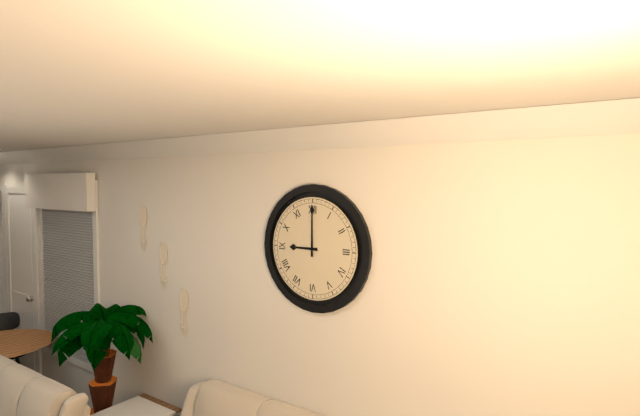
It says 9.00
